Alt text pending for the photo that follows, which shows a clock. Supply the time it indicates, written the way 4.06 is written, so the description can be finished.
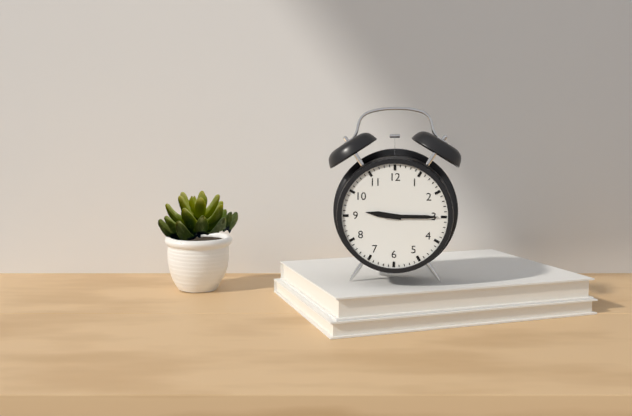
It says 9.15
